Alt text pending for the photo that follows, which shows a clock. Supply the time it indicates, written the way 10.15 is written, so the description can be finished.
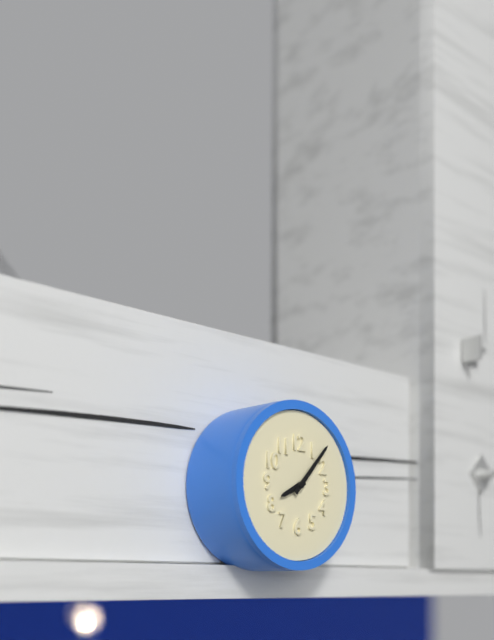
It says 8.07
